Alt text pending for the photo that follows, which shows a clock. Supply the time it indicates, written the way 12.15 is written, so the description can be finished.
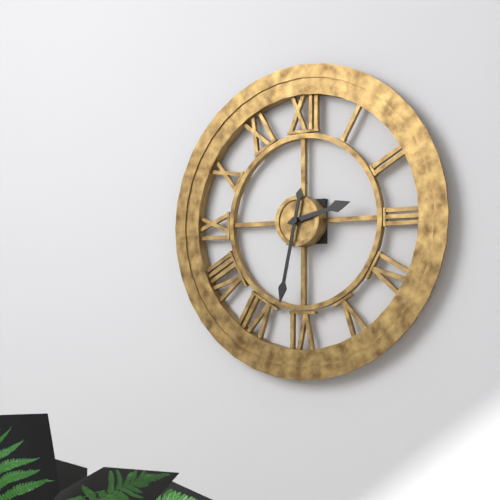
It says 2.32
